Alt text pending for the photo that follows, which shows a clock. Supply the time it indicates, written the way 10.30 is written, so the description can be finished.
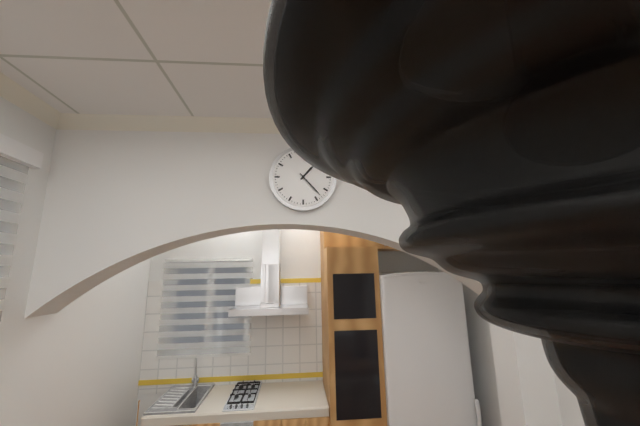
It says 1.23
